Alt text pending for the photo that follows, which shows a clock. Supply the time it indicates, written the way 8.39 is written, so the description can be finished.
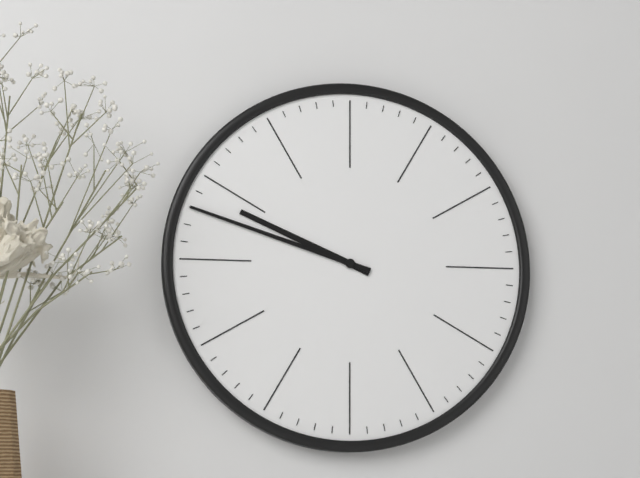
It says 9.48
